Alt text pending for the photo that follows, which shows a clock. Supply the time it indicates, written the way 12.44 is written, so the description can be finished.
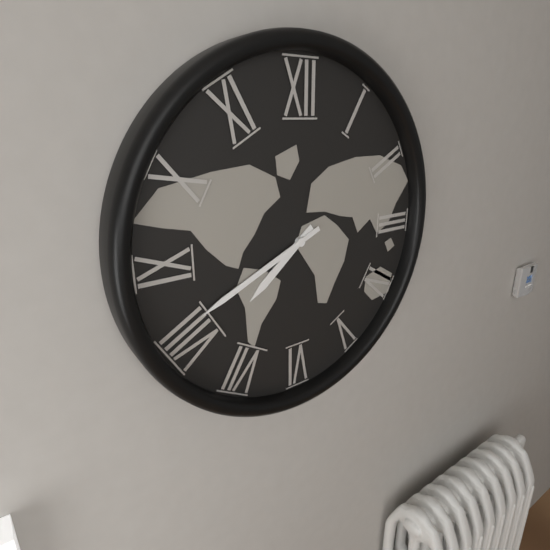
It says 7.41
